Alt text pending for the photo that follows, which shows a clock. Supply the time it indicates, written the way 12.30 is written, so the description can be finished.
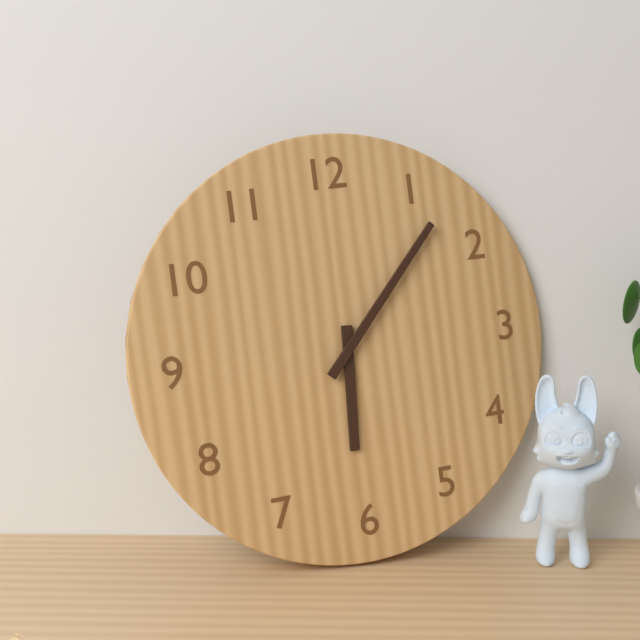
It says 6.07
